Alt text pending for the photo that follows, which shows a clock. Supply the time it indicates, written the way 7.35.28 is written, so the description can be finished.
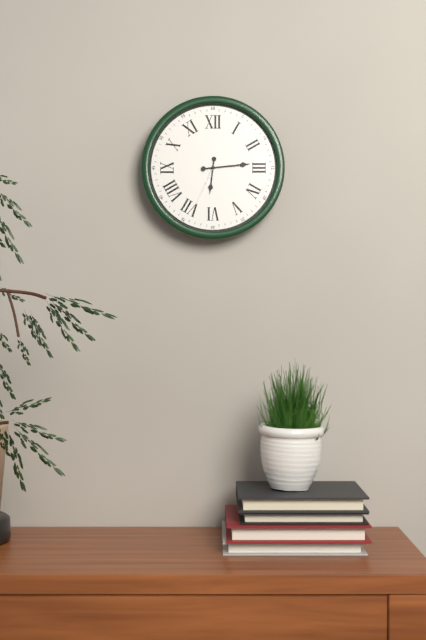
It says 6.14.34
